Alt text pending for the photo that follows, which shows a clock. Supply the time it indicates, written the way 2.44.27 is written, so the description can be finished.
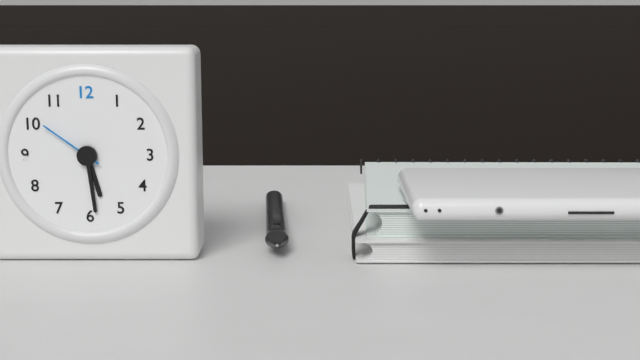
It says 5.29.51
